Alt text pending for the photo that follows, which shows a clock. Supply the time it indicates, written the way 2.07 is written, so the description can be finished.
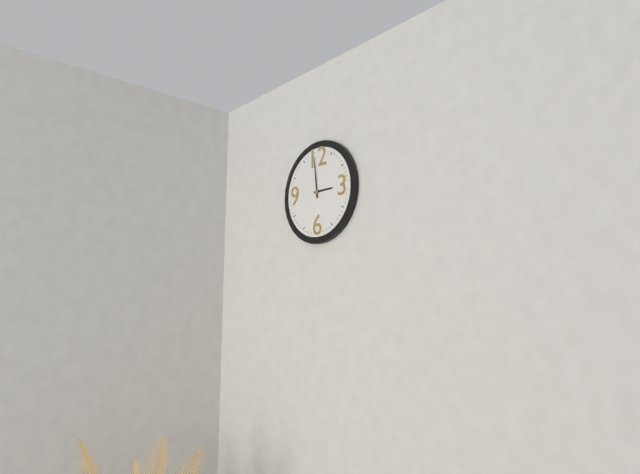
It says 2.59
